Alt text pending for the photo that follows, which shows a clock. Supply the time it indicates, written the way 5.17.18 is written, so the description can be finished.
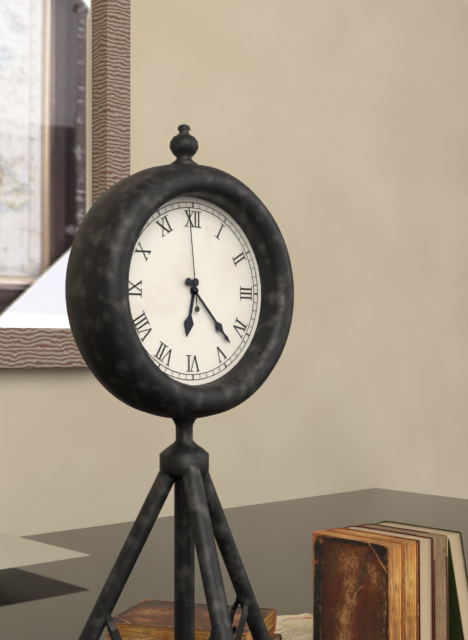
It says 6.23.59
